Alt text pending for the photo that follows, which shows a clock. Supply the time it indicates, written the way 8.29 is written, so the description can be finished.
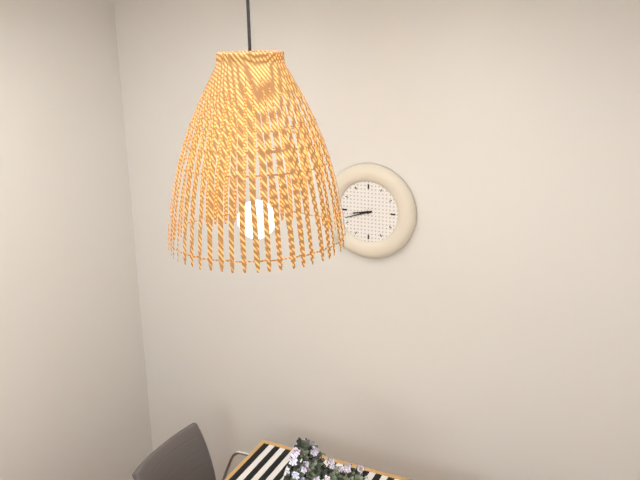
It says 8.42
